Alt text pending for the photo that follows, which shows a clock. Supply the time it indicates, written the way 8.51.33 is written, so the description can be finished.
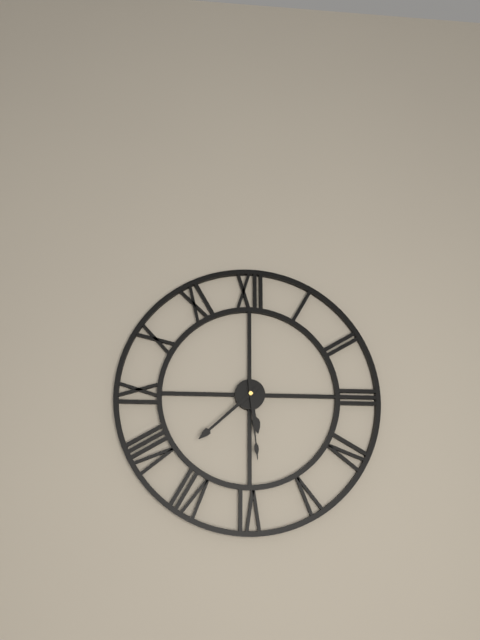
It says 5.38.29
